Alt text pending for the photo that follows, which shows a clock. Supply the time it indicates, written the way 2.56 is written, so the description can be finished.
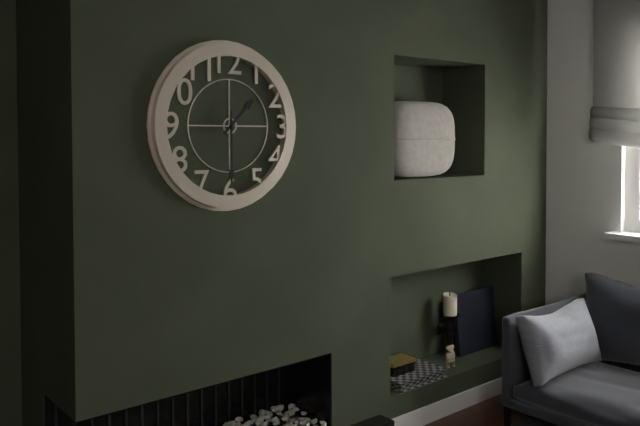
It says 1.30
